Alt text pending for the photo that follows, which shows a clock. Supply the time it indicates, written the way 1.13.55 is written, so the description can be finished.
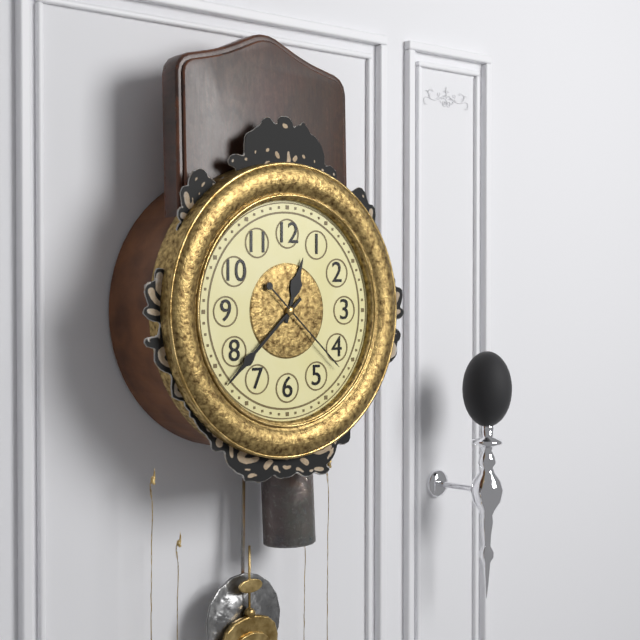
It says 12.38.22
